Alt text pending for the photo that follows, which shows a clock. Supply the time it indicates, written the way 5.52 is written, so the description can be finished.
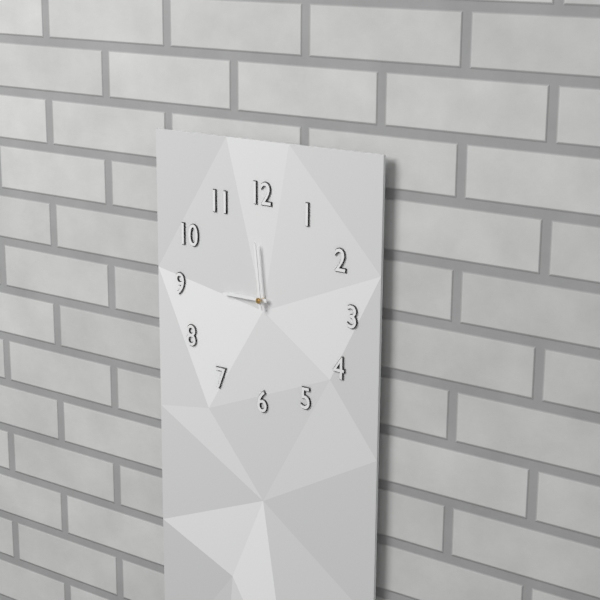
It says 8.59
